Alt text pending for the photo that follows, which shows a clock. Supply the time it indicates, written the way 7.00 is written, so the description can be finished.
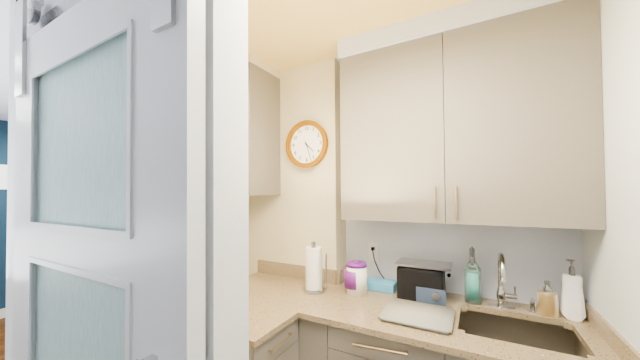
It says 4.27
